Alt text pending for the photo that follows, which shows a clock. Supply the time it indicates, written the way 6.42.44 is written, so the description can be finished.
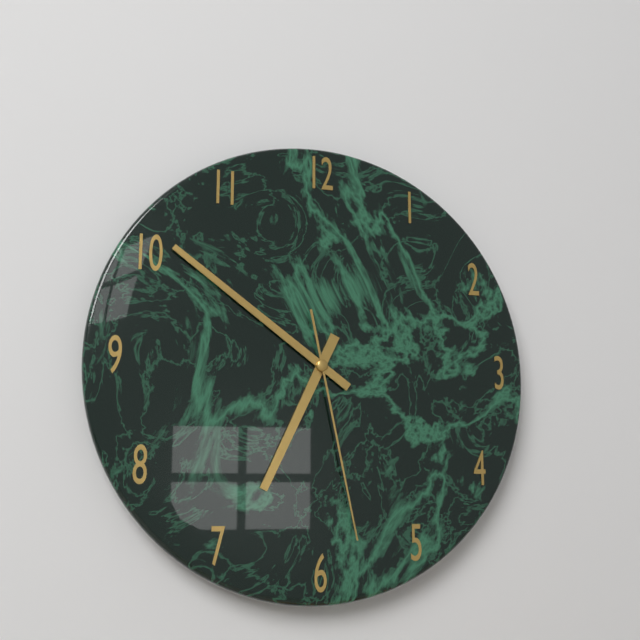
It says 6.51.28
